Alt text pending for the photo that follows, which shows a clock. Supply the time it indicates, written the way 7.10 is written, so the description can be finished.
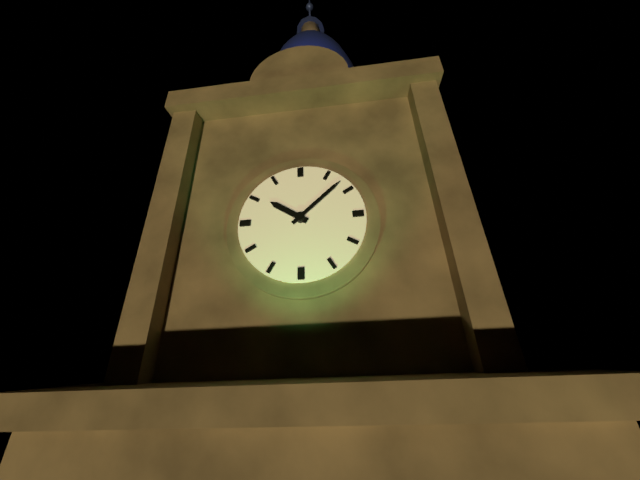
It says 10.08
